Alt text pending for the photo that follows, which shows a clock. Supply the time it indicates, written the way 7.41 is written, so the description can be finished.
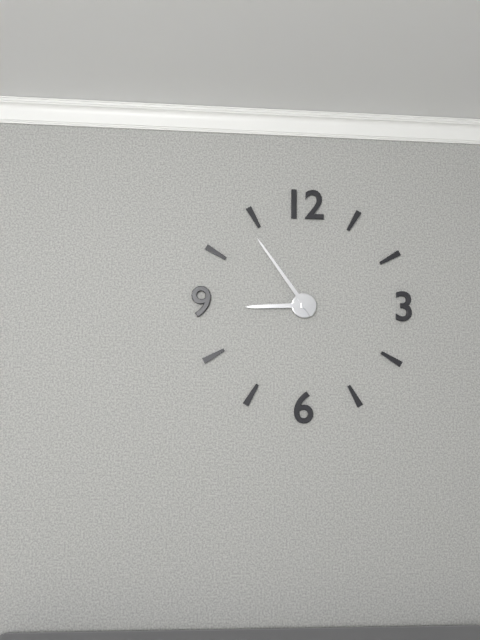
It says 8.54
